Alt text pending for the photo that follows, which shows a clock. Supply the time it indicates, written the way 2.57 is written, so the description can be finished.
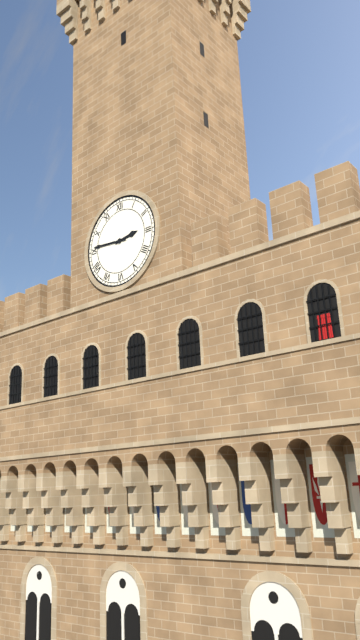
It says 2.46
